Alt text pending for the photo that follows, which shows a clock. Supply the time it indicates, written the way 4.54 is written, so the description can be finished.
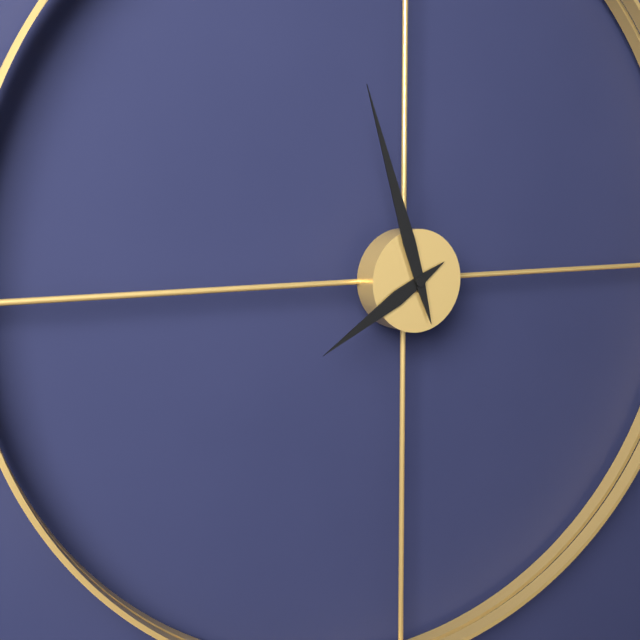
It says 7.57
